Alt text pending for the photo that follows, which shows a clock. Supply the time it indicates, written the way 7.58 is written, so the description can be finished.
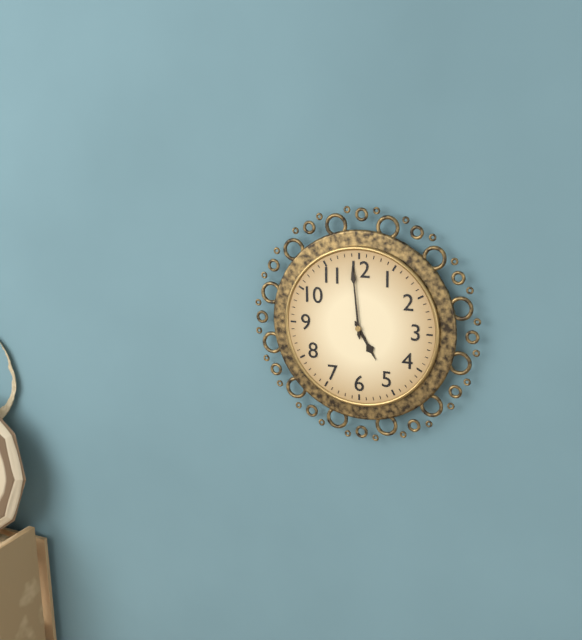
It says 4.59
